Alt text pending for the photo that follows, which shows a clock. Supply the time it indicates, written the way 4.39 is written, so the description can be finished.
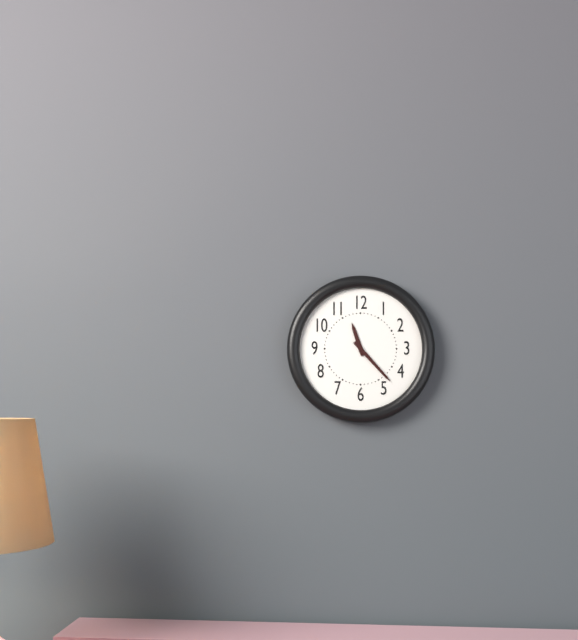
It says 11.23
